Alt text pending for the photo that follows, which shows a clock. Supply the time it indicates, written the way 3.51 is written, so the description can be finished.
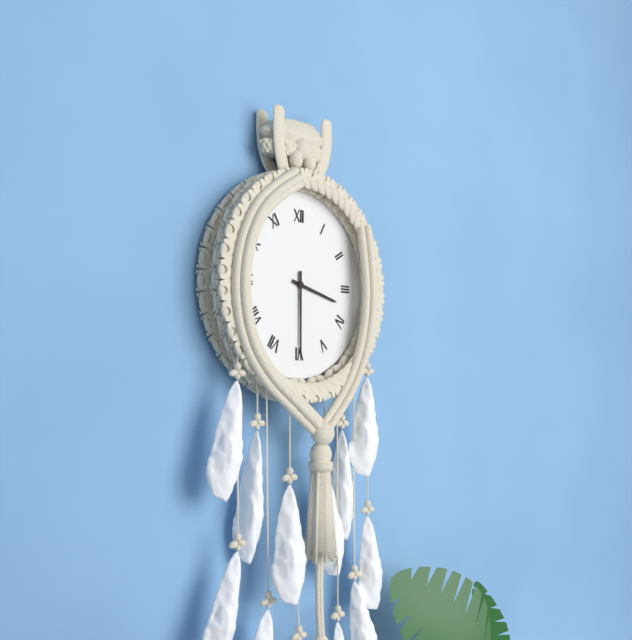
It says 3.30
